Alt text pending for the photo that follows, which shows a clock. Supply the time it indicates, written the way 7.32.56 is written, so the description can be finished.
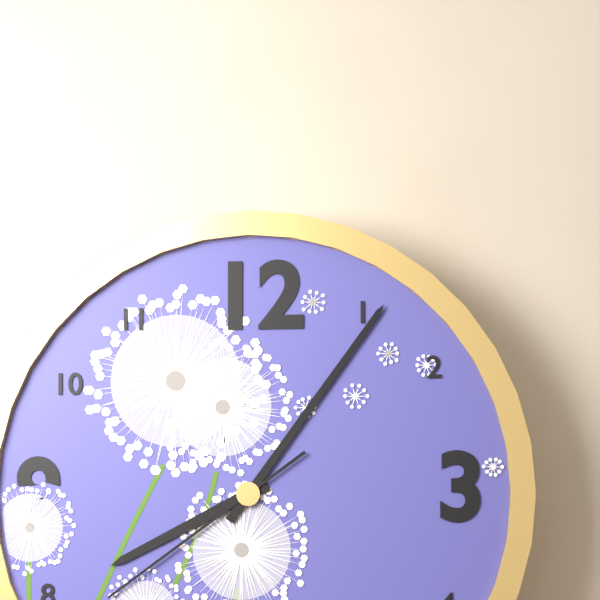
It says 8.06.39
